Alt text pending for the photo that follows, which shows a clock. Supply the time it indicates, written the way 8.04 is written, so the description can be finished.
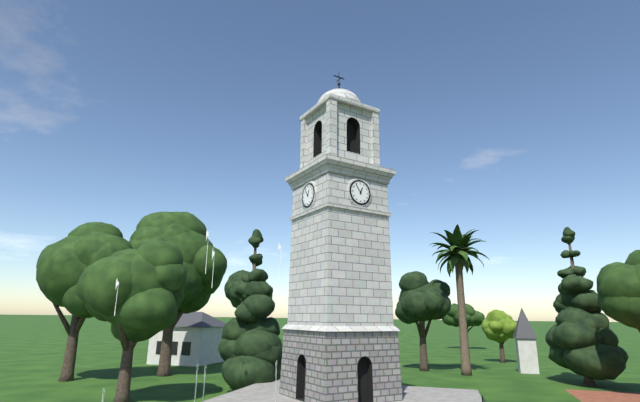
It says 12.54
